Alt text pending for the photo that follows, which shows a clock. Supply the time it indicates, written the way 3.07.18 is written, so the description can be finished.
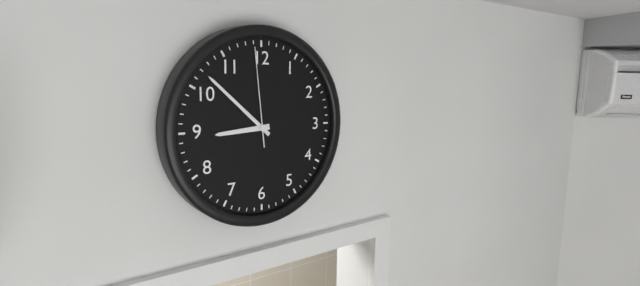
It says 8.52.59
